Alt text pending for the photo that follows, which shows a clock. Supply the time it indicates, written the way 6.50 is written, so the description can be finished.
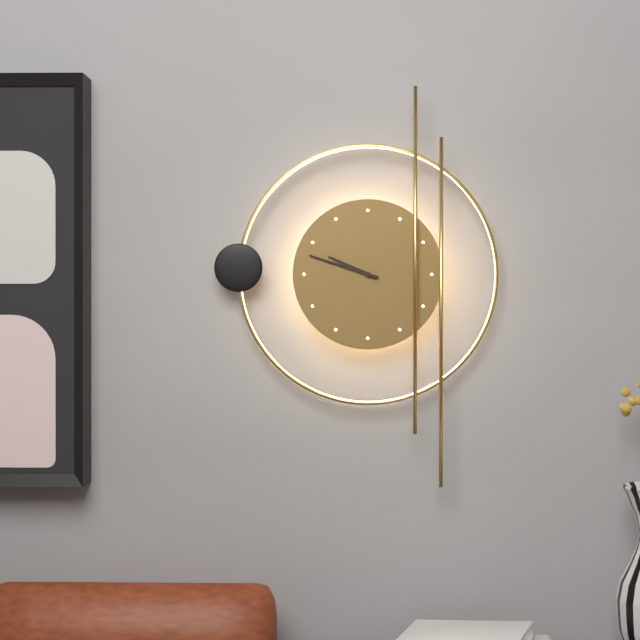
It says 9.48
